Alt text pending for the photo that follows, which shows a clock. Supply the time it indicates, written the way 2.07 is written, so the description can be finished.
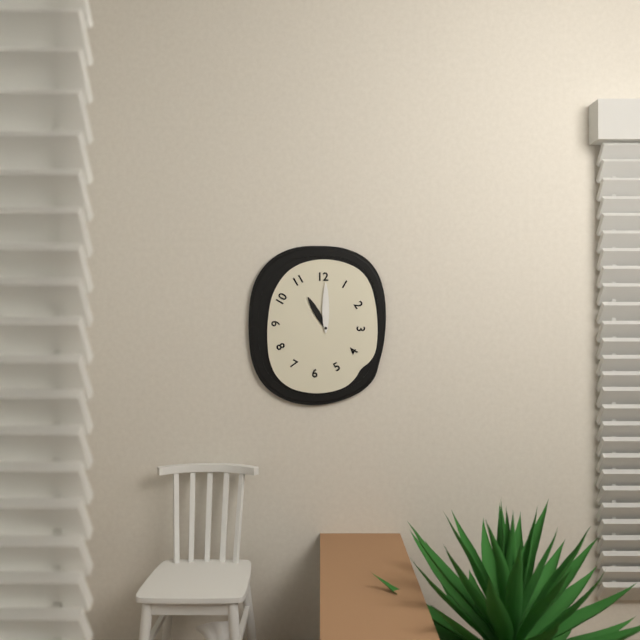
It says 11.00
